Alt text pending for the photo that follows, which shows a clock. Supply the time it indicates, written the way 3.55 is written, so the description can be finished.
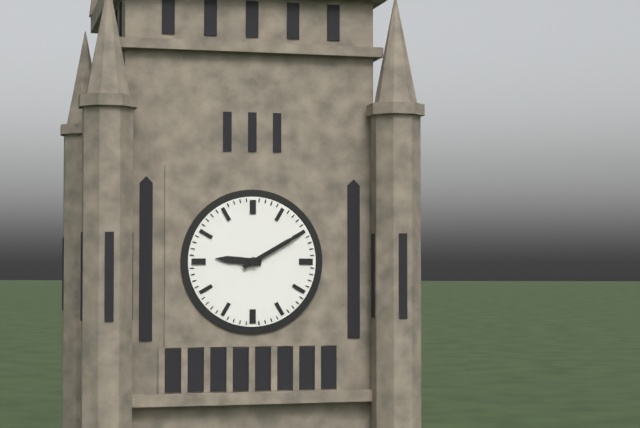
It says 9.10
